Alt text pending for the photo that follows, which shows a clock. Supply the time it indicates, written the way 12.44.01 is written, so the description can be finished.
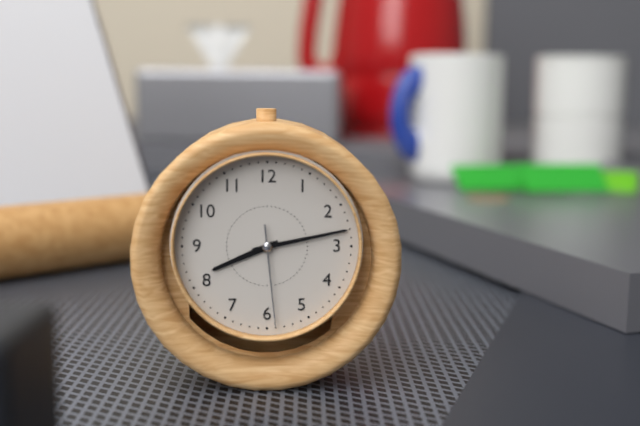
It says 8.13.29
